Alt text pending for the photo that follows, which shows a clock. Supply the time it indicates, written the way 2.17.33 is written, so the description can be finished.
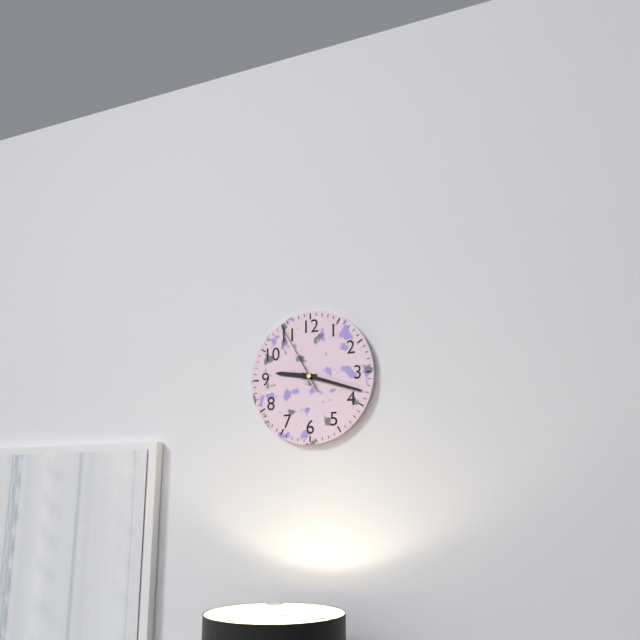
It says 9.18.55
